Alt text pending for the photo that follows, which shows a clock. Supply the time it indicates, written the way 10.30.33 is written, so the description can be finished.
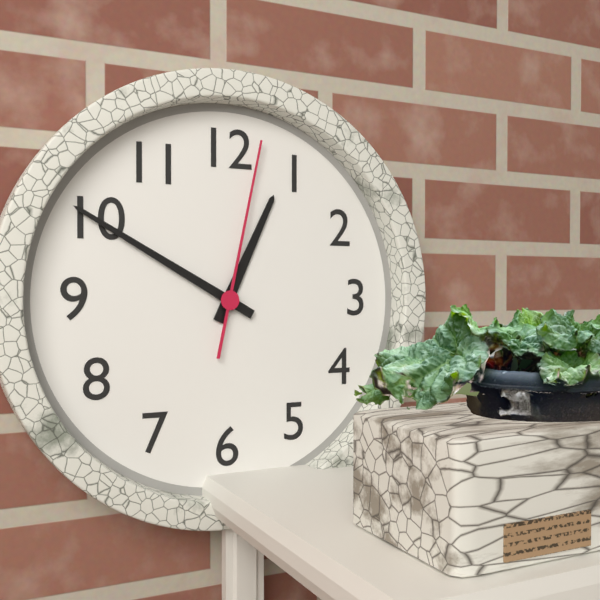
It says 12.50.02
